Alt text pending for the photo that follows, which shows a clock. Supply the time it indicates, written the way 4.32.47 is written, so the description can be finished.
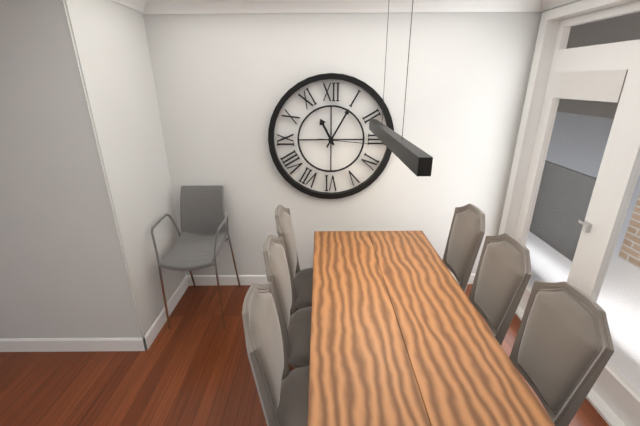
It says 11.05.16
